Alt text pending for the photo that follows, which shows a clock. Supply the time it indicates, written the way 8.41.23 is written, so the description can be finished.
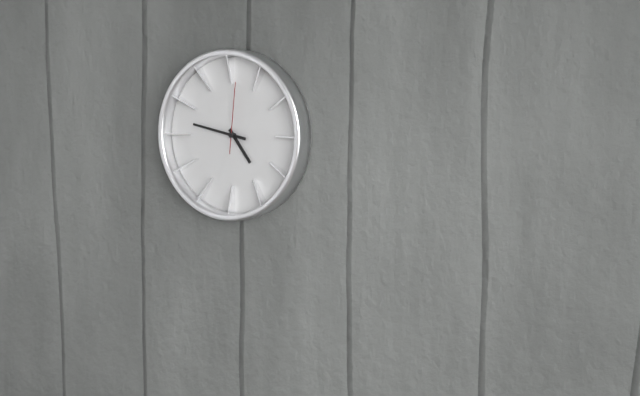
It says 4.47.01
